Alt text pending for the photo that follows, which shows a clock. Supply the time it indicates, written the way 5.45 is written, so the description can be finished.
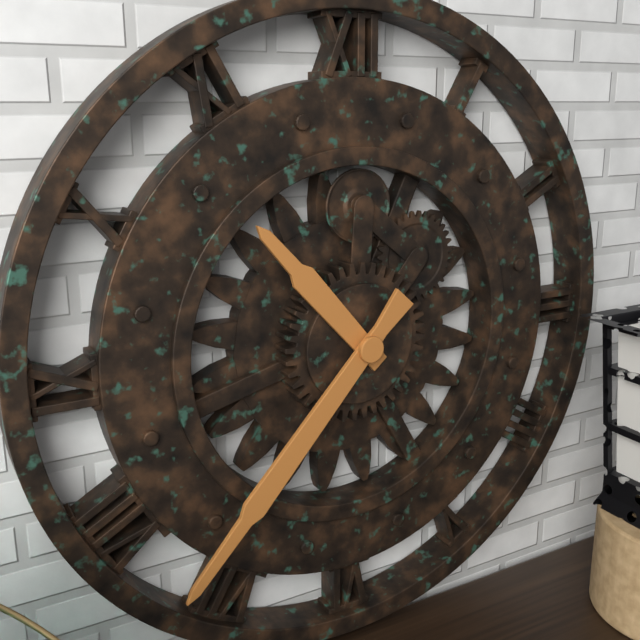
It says 10.37
